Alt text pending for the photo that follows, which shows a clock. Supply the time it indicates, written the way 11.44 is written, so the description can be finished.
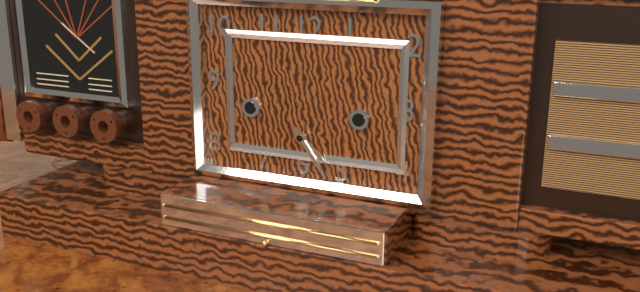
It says 4.24
